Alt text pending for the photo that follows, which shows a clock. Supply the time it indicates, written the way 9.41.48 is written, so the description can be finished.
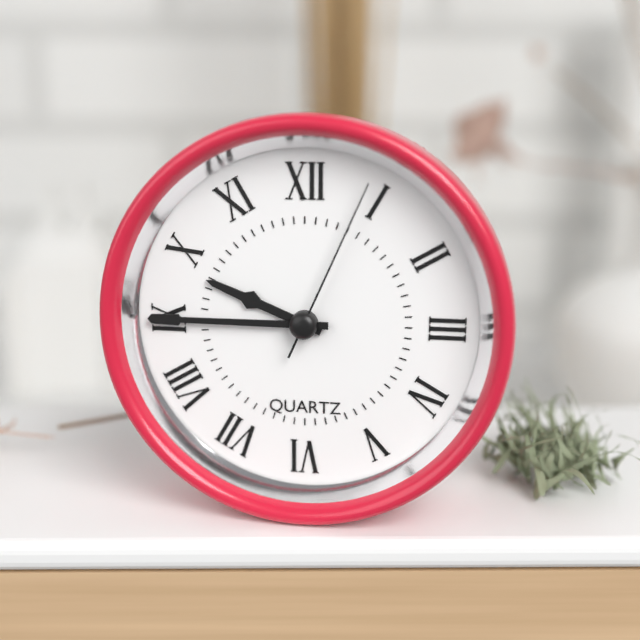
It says 9.45.04
